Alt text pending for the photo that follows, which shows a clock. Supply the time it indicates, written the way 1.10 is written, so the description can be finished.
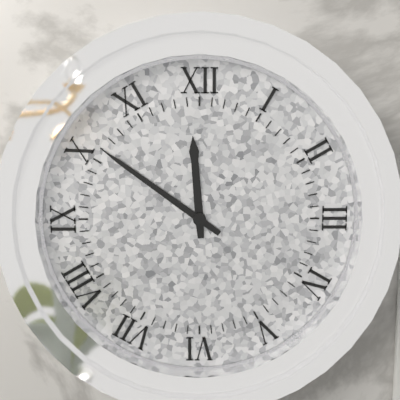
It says 11.51
